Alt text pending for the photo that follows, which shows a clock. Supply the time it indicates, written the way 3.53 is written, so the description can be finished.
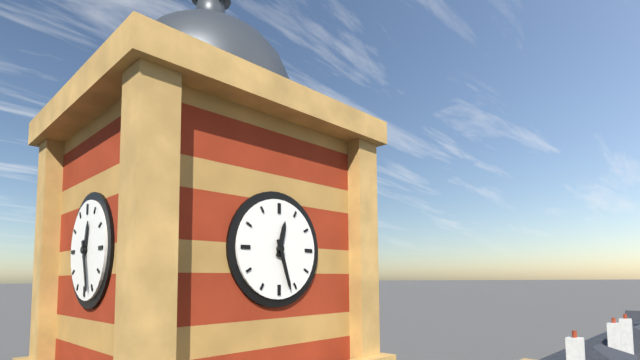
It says 12.27
